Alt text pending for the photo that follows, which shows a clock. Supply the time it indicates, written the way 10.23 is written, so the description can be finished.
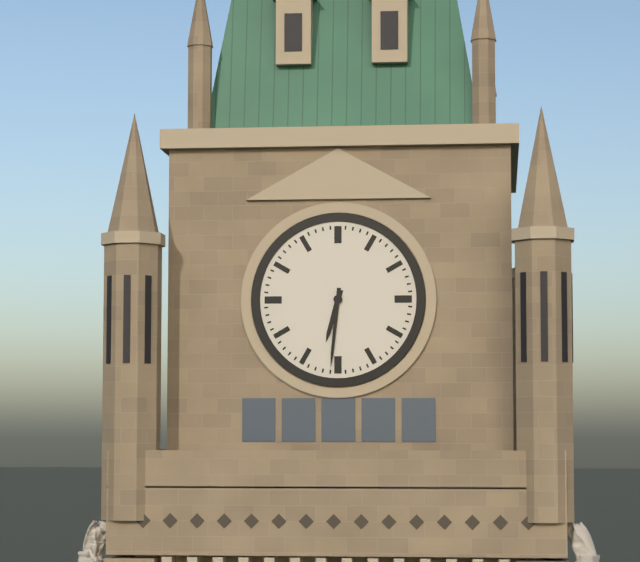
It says 6.31
